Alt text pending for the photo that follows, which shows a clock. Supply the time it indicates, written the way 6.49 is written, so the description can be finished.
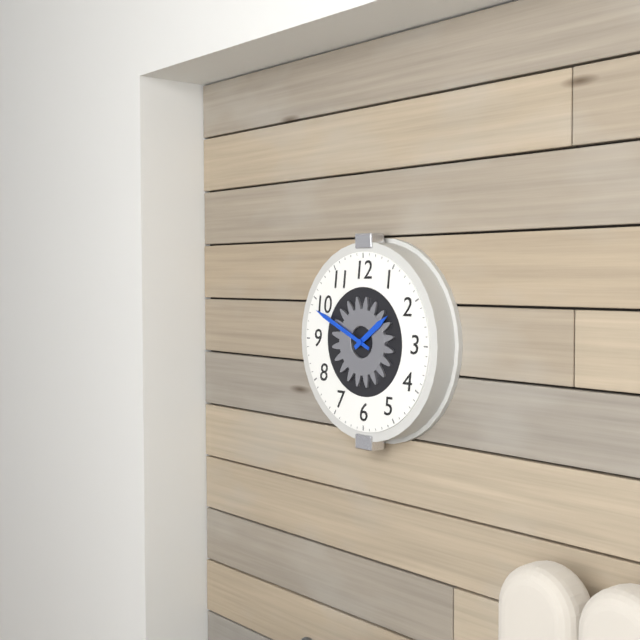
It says 1.49
